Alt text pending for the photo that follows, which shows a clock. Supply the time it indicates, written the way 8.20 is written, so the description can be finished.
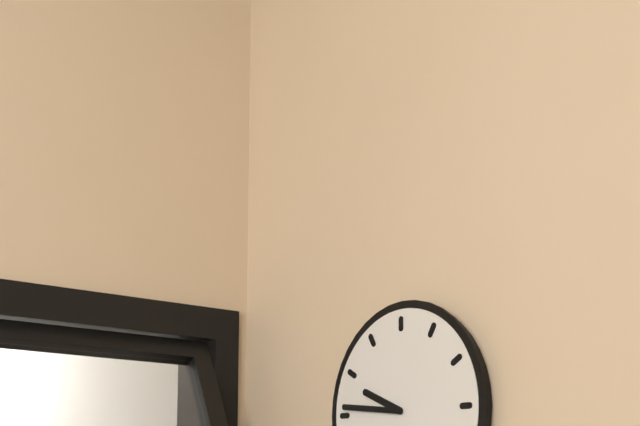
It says 9.46
